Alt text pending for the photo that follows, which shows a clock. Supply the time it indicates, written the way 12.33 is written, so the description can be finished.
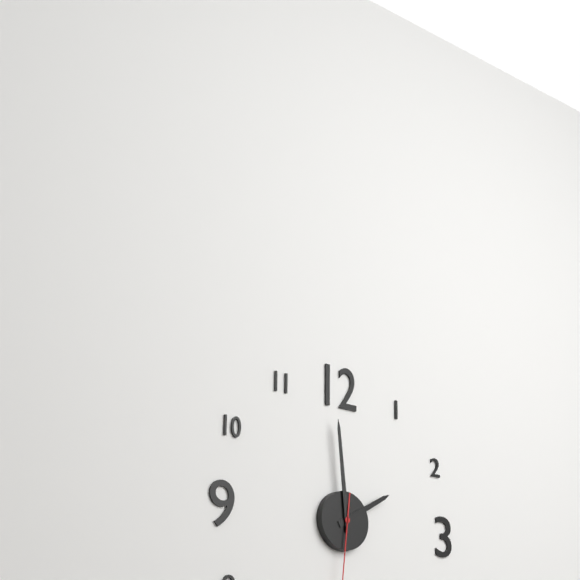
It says 1.59
